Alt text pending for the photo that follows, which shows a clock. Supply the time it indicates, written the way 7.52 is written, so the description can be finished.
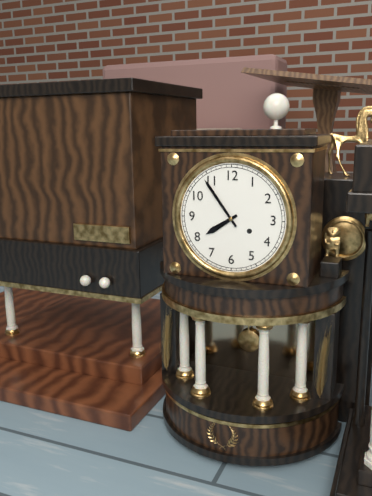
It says 7.54
